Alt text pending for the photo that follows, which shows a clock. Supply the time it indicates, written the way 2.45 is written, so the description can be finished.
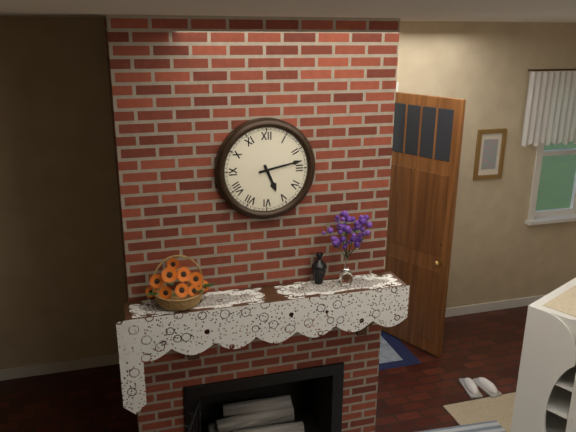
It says 5.13
